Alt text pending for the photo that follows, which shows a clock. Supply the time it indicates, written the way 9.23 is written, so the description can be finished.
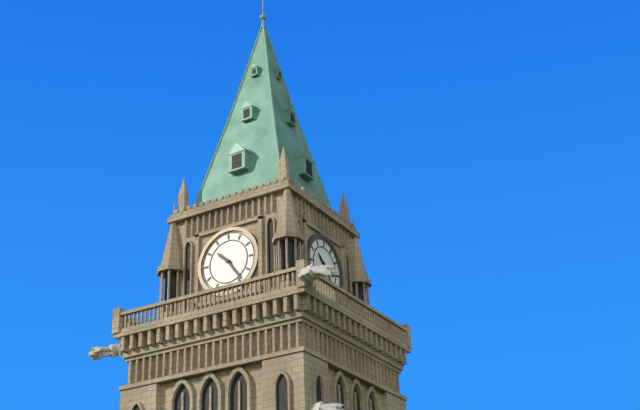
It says 10.24
